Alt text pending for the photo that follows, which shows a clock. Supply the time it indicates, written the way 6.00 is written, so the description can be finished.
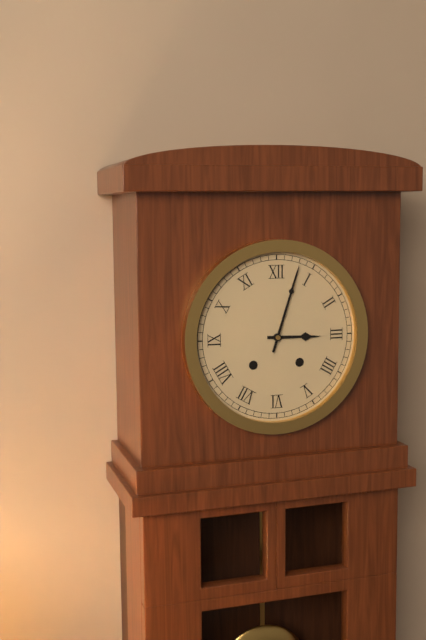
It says 3.03
